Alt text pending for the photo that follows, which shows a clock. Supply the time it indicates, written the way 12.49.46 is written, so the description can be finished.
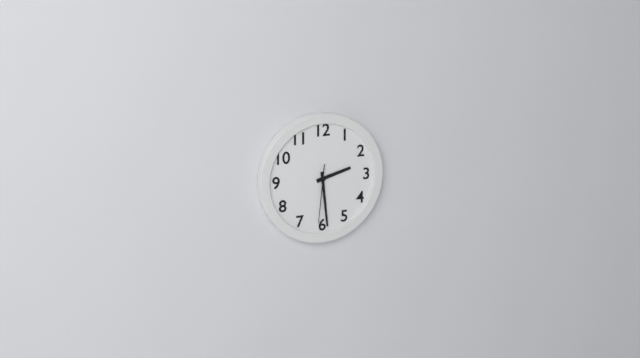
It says 2.29.31
